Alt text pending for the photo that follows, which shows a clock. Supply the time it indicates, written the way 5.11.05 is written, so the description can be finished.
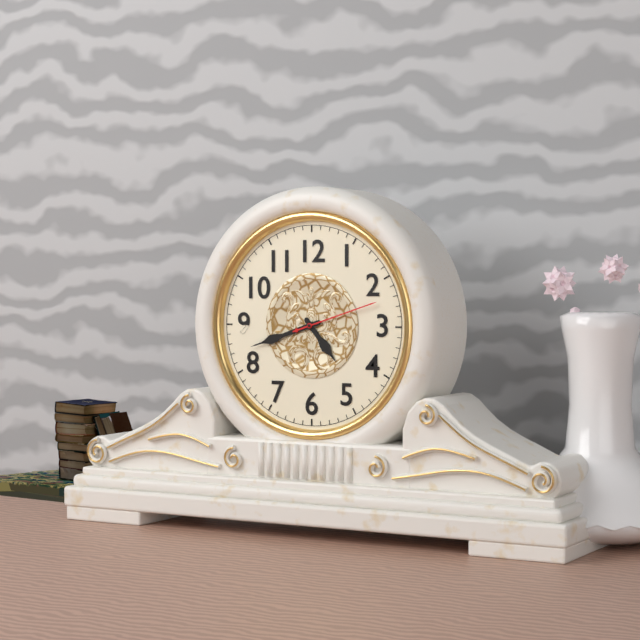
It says 4.42.12
